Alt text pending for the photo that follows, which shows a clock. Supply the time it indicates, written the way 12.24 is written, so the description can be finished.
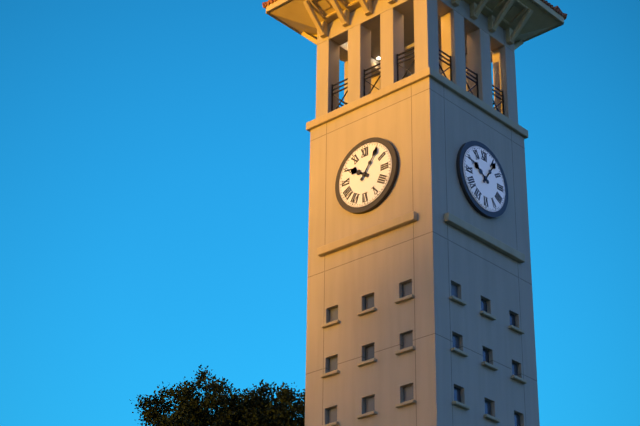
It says 10.06
